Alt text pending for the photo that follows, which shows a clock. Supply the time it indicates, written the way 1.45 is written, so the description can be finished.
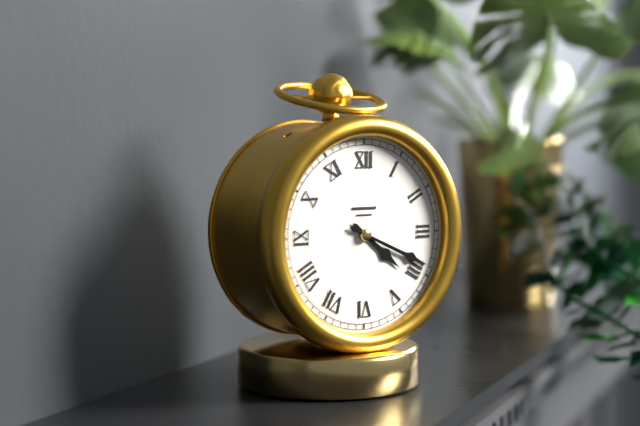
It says 4.19
